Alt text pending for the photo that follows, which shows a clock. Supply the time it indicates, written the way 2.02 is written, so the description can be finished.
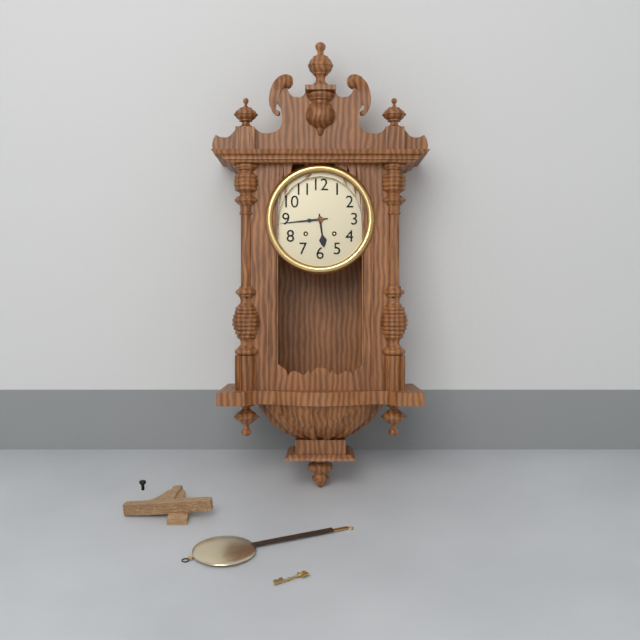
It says 5.44
